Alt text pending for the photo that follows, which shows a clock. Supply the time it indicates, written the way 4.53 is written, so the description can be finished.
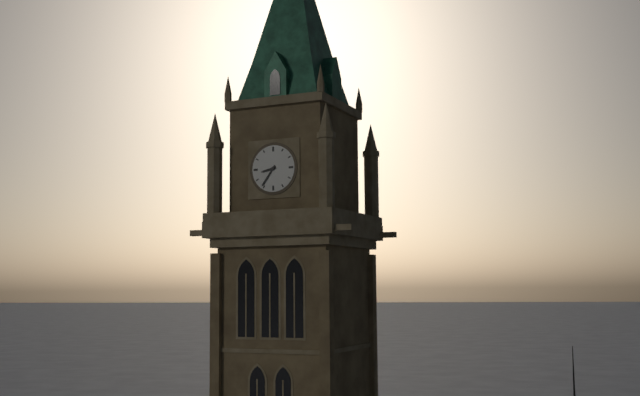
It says 8.36
